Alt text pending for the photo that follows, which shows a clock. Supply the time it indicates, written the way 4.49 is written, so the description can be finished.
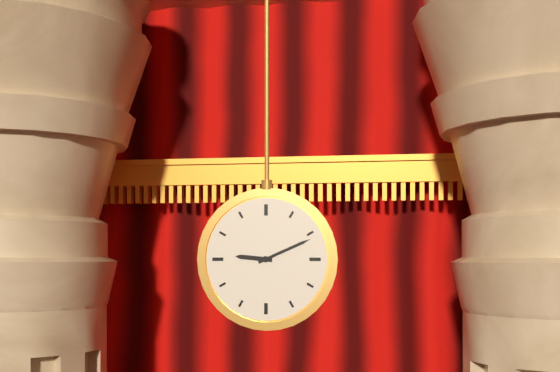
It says 9.11
